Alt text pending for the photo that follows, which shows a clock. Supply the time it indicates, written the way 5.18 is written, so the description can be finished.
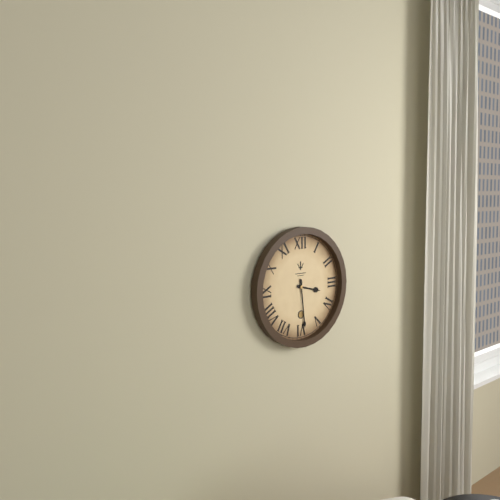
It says 3.29
